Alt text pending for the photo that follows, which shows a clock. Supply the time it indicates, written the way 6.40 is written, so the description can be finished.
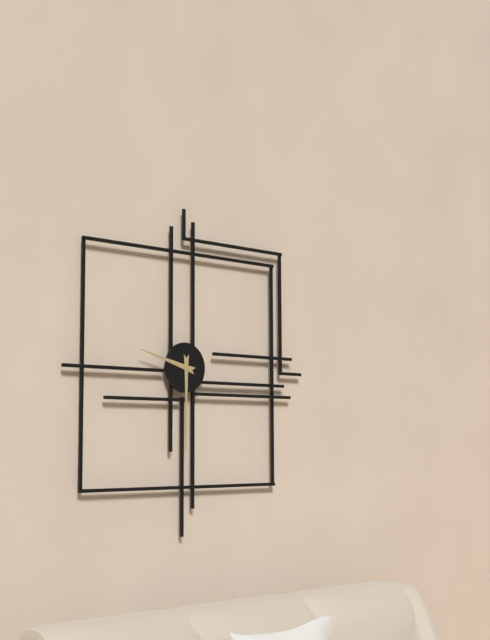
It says 9.30
